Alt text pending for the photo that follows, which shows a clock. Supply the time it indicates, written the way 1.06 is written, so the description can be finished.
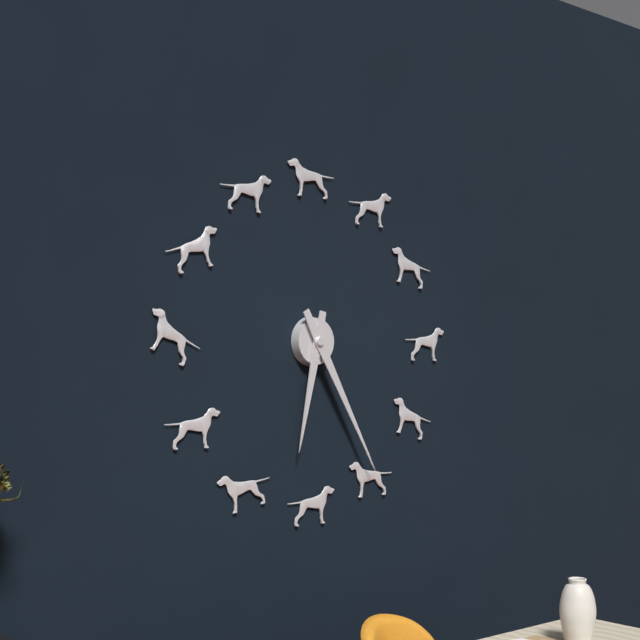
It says 6.25
